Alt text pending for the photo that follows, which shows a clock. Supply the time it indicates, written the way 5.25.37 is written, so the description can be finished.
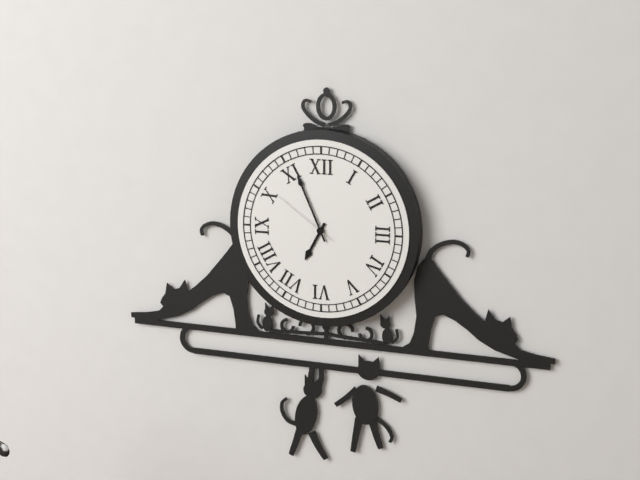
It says 6.56.51
